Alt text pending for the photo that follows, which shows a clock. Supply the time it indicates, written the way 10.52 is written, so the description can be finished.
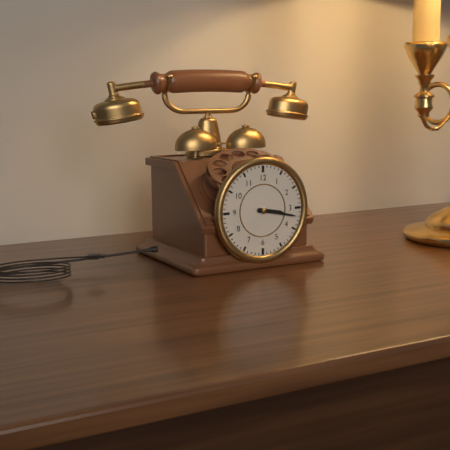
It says 3.17
